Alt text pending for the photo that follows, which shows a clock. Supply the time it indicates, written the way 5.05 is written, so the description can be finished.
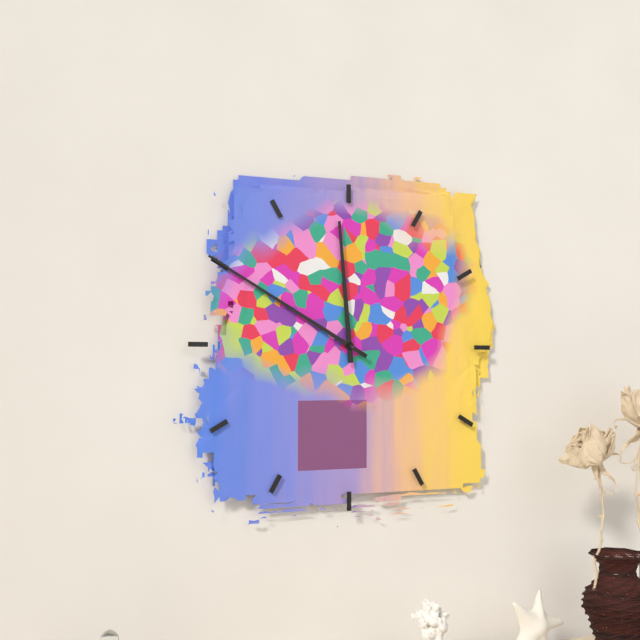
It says 11.50
